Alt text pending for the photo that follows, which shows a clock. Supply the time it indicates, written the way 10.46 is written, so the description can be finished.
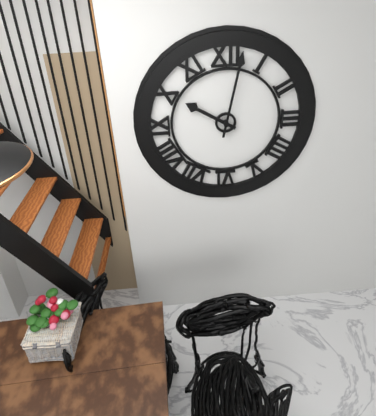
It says 10.02
